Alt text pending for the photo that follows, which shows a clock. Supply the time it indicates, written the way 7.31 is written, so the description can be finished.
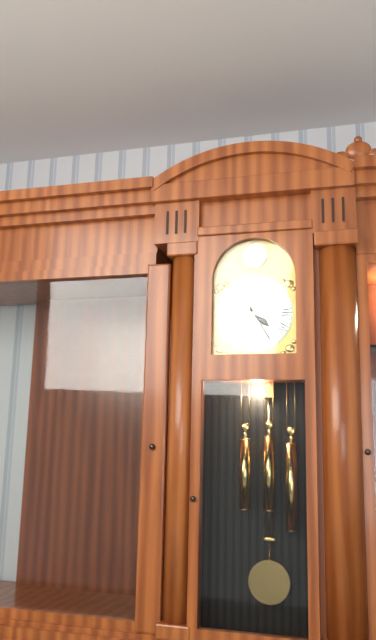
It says 4.25
